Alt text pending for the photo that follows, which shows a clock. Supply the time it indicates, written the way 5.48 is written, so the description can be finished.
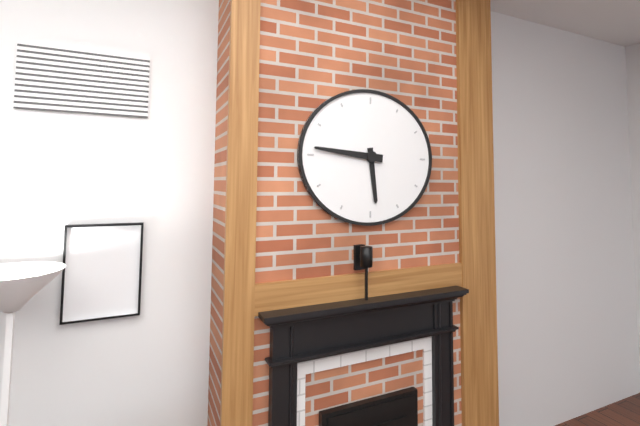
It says 5.46
